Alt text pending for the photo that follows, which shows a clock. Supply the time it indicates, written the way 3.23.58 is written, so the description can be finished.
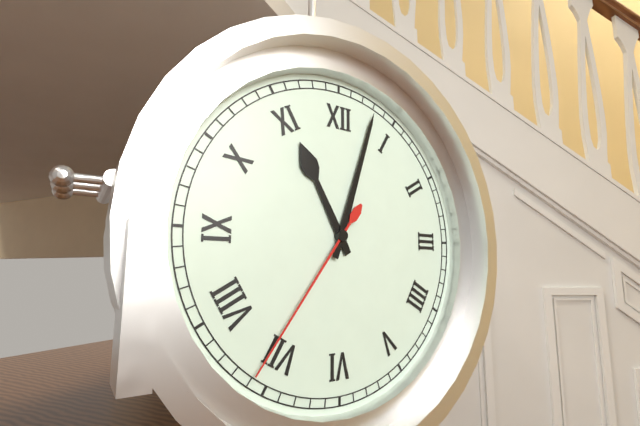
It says 11.03.36
